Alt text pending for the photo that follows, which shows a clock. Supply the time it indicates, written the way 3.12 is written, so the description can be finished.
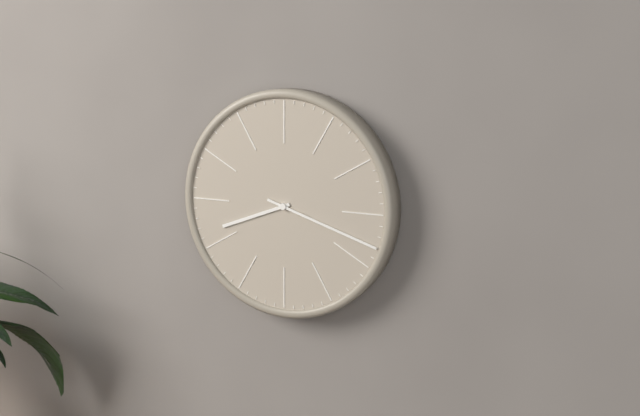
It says 8.18
